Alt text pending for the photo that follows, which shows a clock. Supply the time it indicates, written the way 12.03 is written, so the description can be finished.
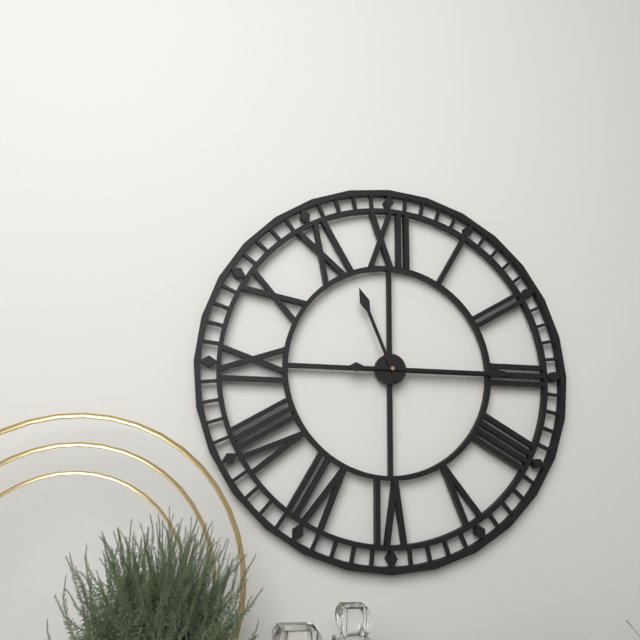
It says 11.15
